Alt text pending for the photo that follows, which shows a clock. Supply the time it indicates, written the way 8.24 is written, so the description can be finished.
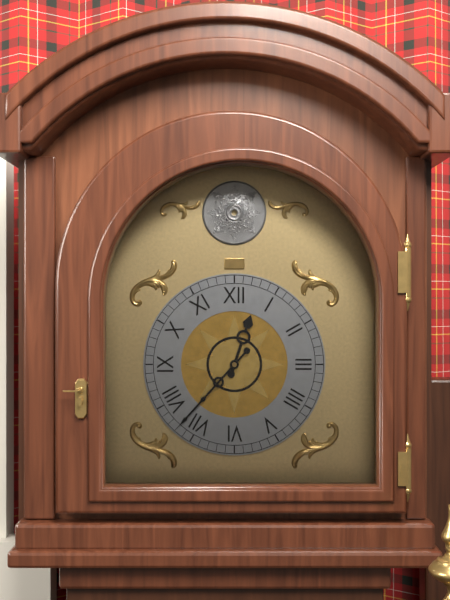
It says 12.37
